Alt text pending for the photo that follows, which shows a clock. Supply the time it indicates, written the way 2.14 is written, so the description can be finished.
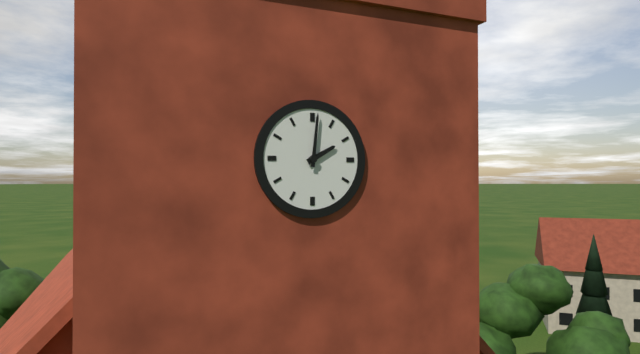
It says 2.01
